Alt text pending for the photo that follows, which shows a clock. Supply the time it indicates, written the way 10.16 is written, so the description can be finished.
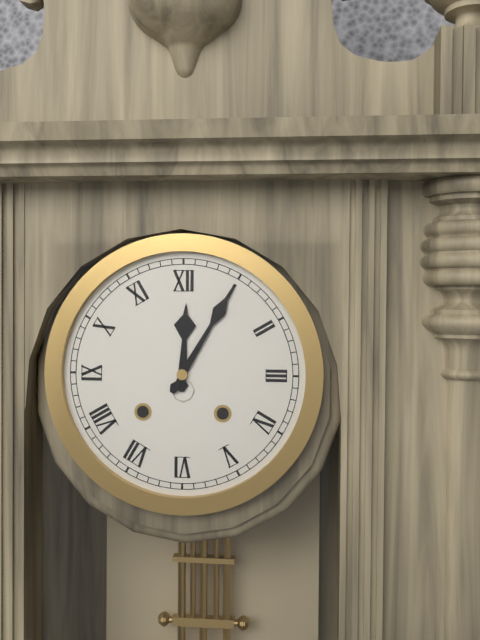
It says 12.05
